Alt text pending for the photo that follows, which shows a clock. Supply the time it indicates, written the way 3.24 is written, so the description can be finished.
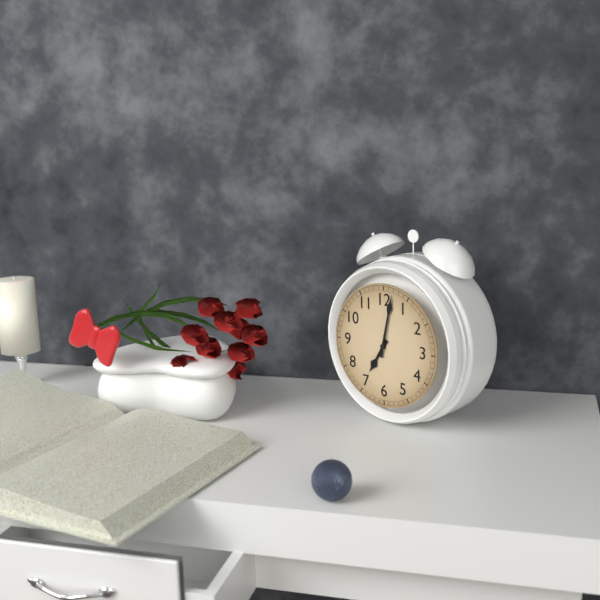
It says 7.02
